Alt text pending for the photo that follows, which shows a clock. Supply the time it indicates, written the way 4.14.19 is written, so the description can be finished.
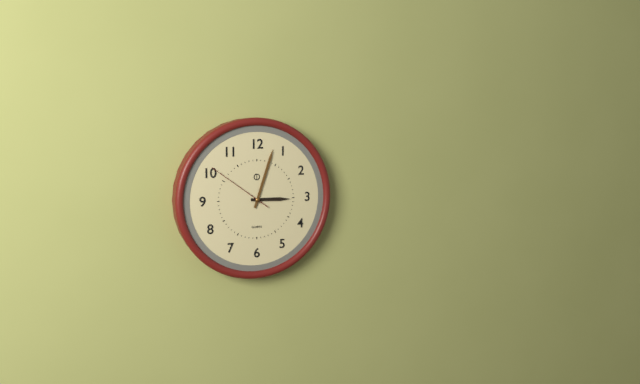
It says 3.03.51
